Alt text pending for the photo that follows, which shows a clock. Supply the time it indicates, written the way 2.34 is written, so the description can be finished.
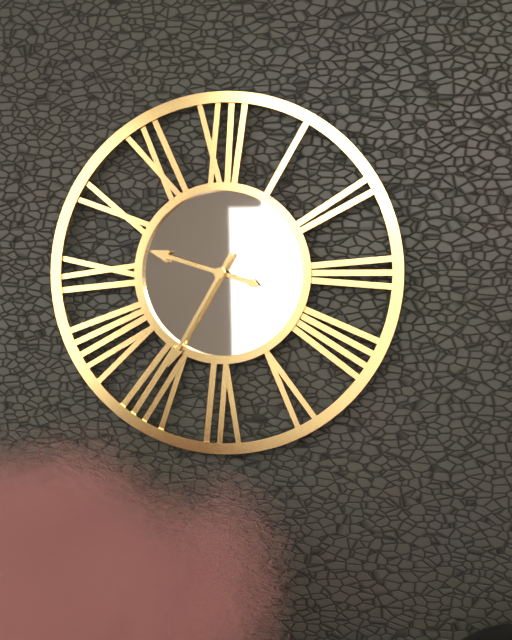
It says 9.35
